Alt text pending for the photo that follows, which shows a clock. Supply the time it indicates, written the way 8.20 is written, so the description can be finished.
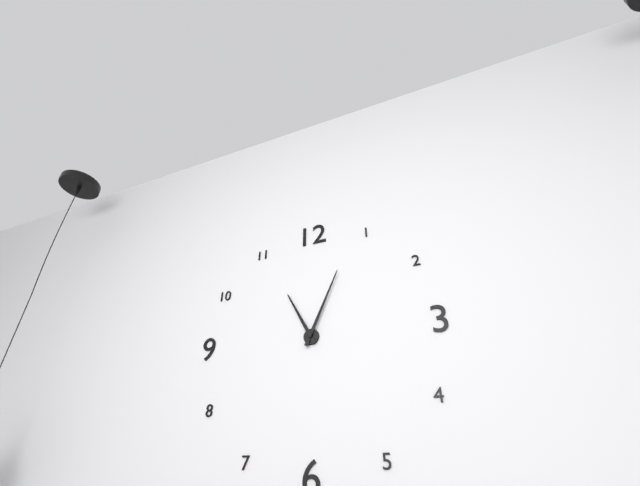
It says 11.04
